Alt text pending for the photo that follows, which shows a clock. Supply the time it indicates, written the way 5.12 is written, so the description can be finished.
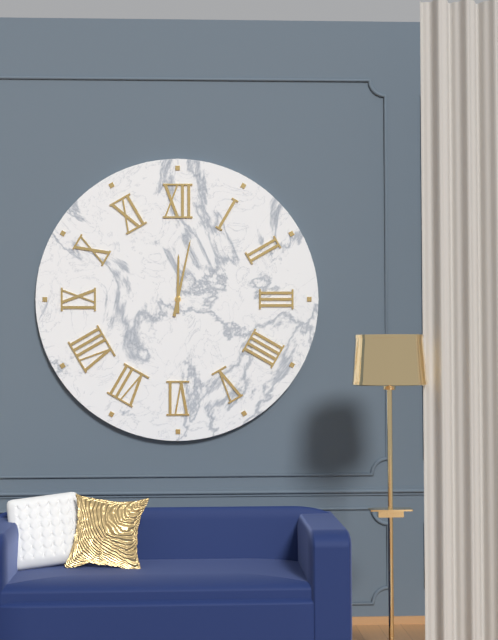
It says 12.02
